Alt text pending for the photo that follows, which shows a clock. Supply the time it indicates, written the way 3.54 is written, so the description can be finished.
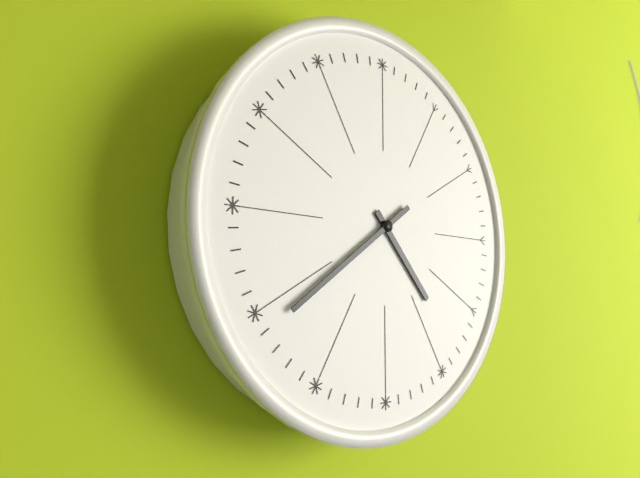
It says 4.39
